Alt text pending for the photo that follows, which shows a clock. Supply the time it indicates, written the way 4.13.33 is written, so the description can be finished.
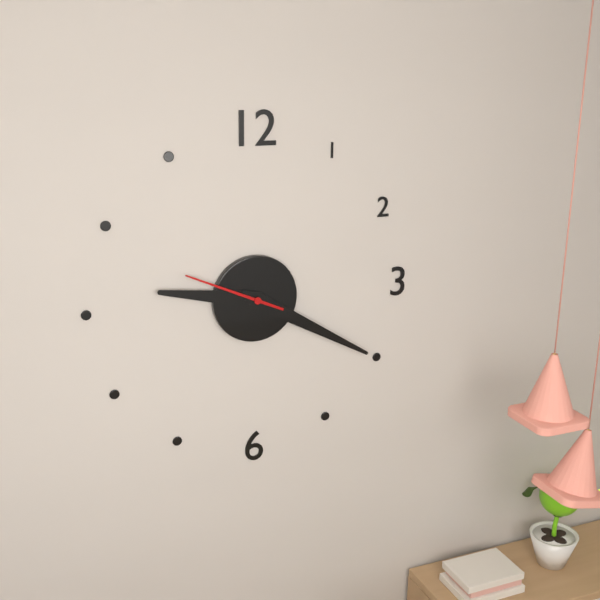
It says 9.20.49
